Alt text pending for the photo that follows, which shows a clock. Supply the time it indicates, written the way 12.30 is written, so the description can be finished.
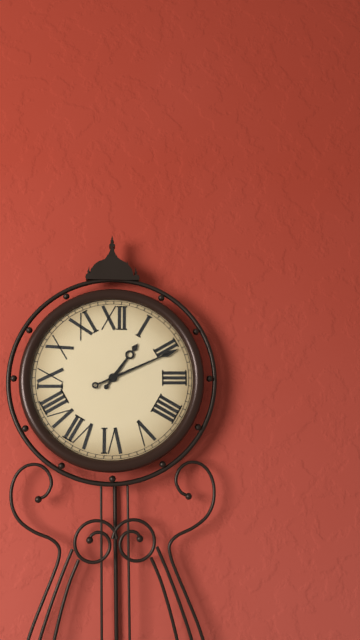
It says 1.11
